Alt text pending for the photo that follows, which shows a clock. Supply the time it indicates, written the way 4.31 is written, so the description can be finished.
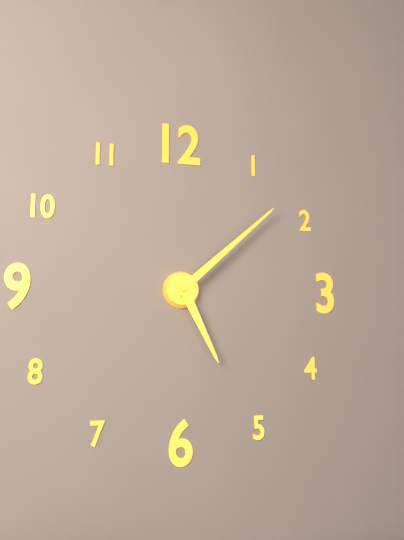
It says 5.08
